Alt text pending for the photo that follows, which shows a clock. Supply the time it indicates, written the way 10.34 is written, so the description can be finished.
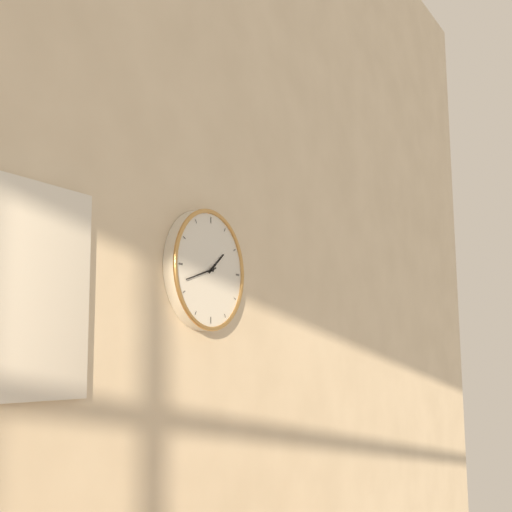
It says 1.42
